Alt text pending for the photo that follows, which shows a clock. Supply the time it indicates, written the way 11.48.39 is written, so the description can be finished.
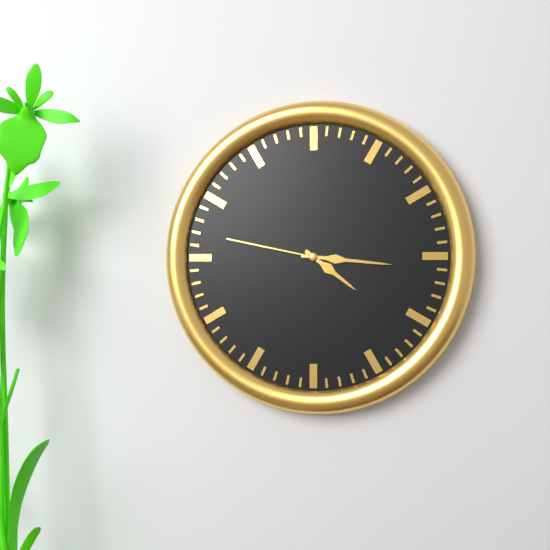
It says 4.16.47
